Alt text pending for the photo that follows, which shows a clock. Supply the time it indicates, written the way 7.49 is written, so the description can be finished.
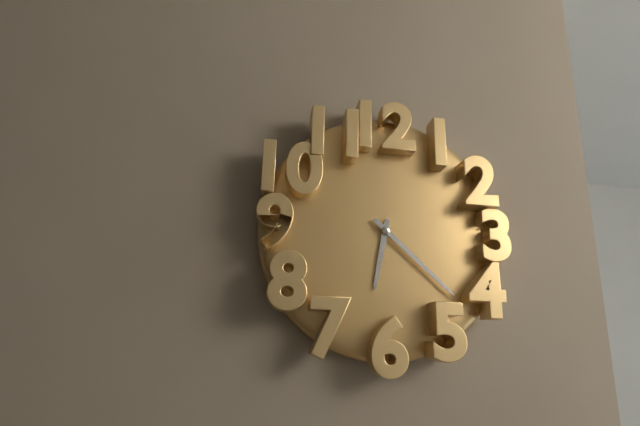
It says 6.22
